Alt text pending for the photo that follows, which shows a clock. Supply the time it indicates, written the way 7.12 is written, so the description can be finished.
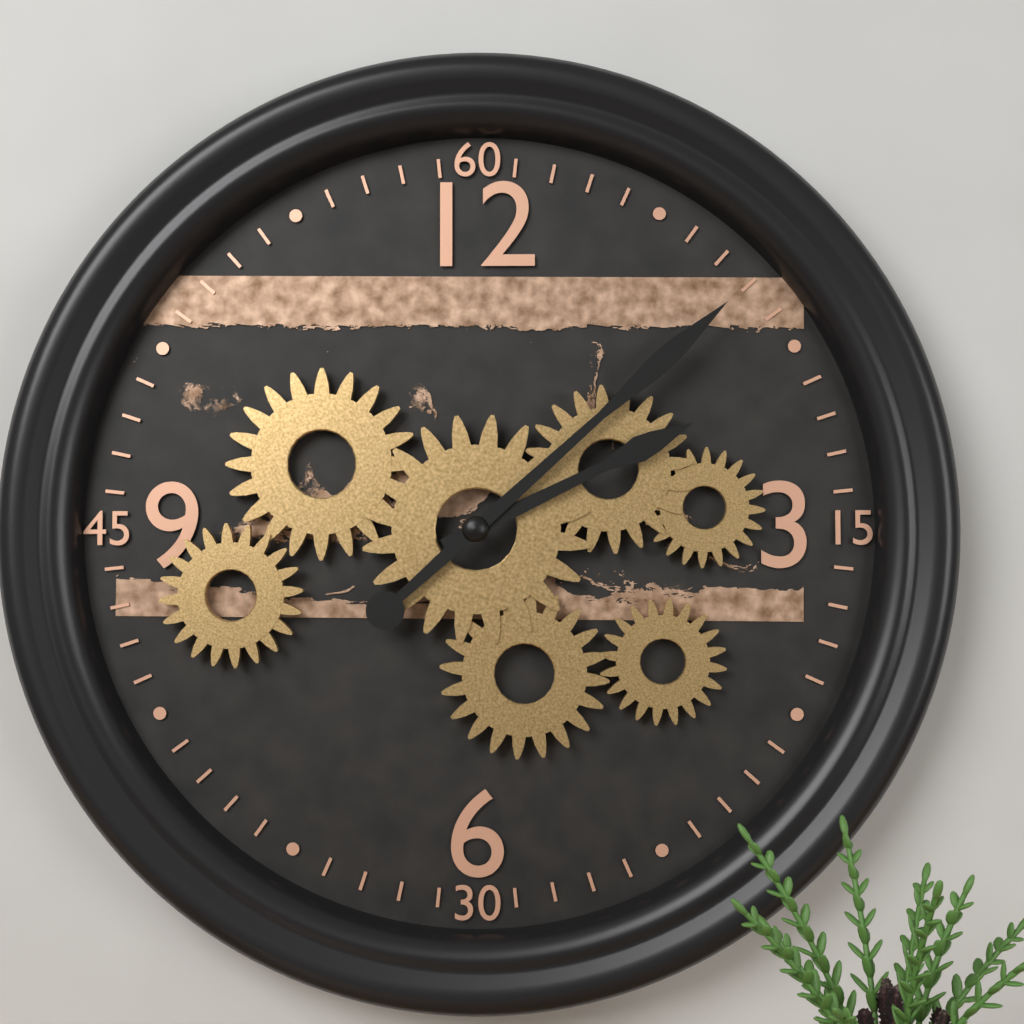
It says 2.08
